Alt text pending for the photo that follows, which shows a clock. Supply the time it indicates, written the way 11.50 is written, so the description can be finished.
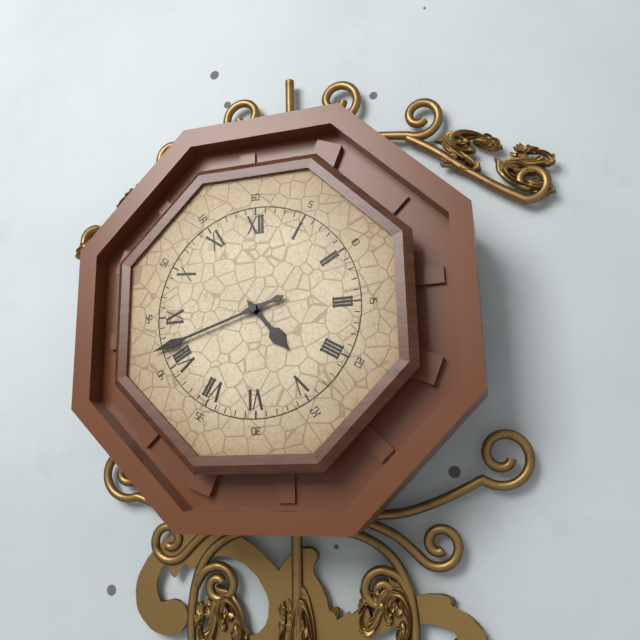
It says 4.42
